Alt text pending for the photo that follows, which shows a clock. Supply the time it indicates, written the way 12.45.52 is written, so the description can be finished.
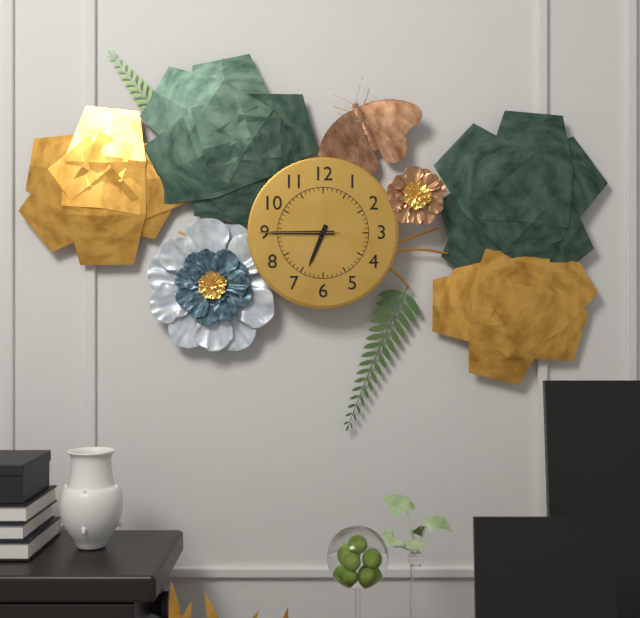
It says 6.45.45
